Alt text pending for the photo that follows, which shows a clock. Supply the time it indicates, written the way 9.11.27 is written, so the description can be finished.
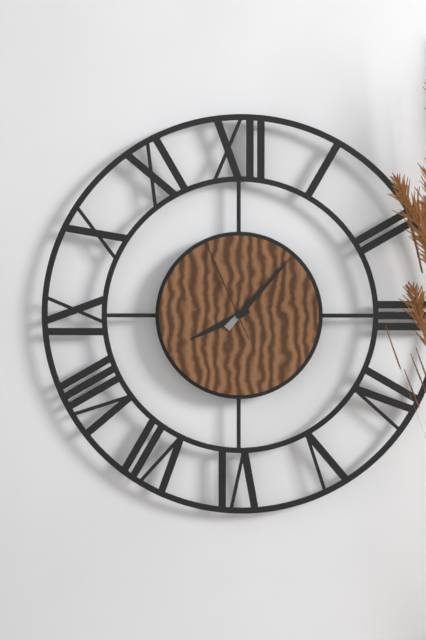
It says 8.07.56
